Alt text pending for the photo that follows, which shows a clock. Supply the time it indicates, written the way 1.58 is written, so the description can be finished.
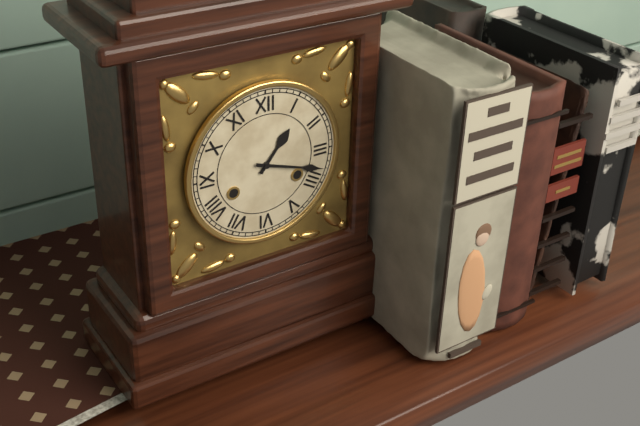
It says 1.18
